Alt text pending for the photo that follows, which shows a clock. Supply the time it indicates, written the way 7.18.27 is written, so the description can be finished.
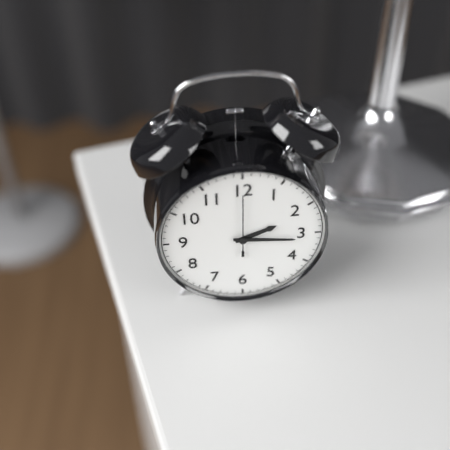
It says 2.16.00
